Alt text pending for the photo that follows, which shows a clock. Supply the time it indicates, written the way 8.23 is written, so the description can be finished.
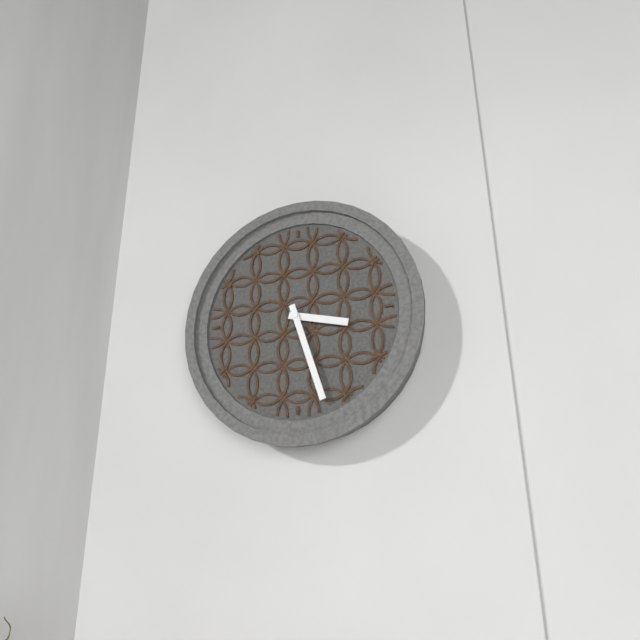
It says 3.27
